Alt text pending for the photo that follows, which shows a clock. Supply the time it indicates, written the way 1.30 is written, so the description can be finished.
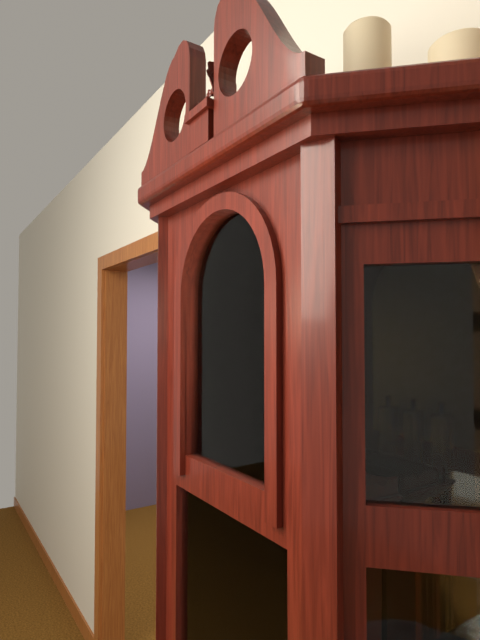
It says 9.29
